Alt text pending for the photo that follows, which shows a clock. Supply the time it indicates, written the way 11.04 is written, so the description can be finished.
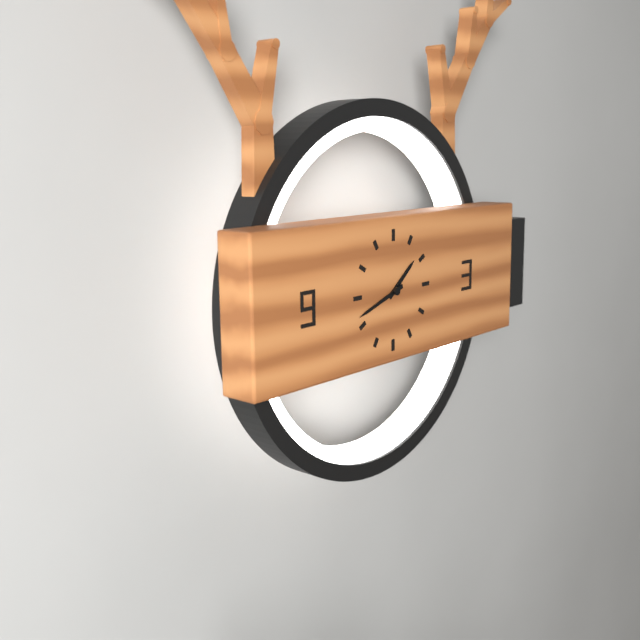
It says 1.42
